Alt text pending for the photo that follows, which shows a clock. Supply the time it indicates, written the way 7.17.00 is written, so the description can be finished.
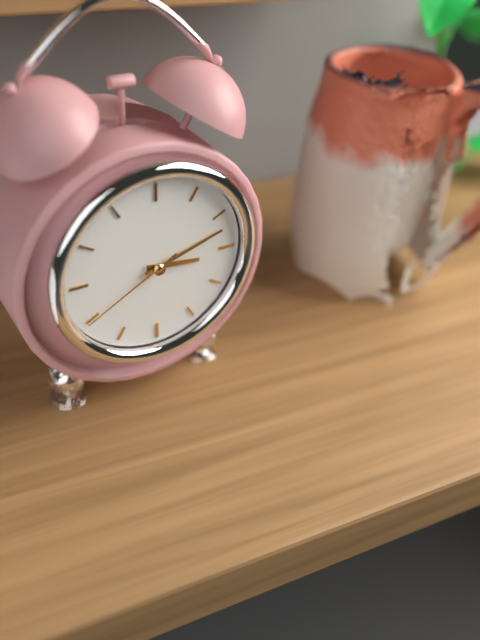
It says 3.12.40
